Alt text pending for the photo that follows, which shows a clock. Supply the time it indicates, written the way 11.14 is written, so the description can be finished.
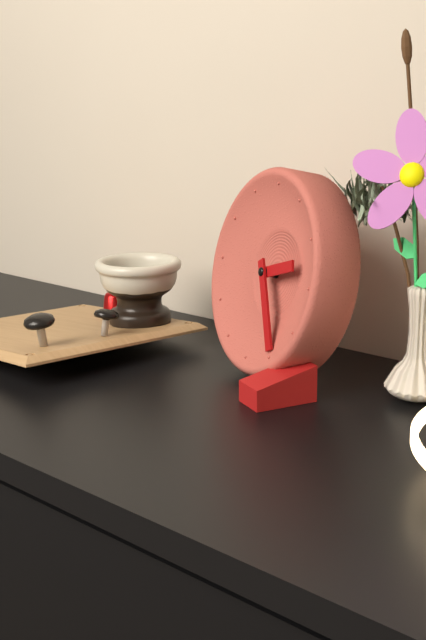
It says 2.25
